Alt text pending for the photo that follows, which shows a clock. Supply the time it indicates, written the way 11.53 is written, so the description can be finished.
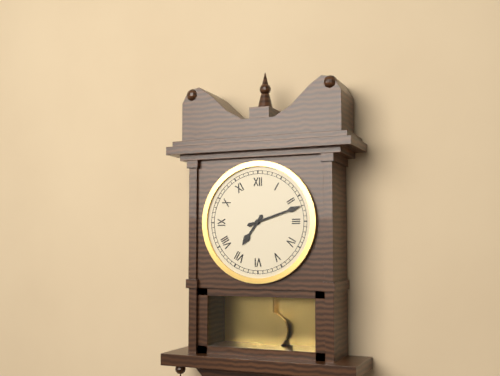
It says 7.12
